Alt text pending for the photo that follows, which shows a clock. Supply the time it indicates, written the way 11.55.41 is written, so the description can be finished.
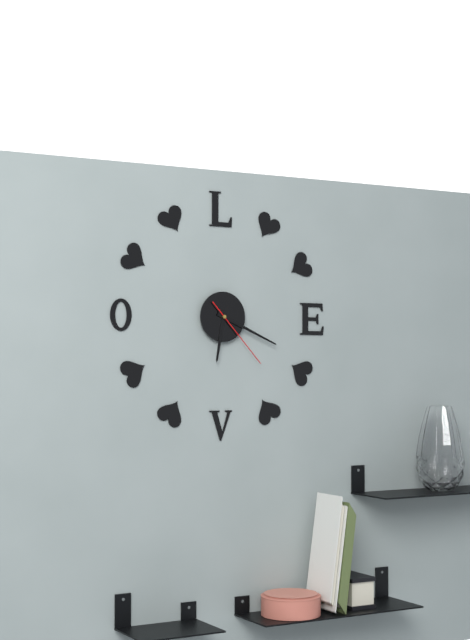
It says 6.19.23
